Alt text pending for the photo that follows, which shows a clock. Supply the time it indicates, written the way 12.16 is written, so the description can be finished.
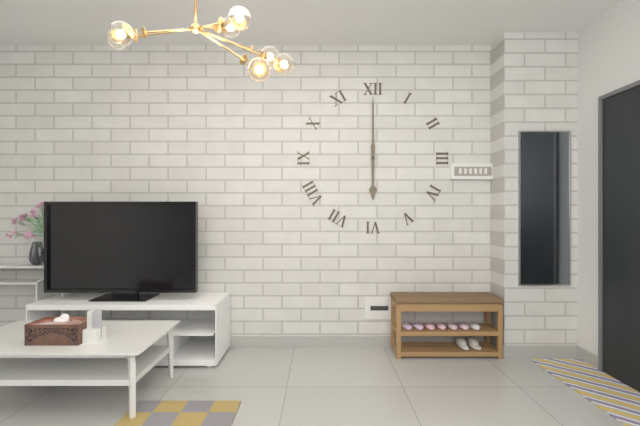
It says 6.00
